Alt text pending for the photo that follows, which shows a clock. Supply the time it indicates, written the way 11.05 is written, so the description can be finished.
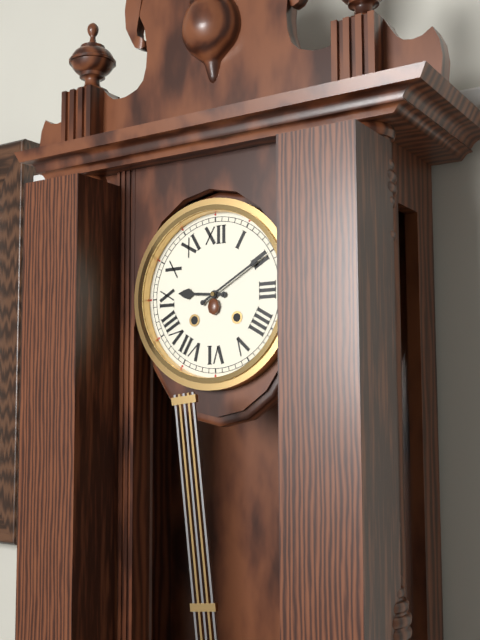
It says 9.10
